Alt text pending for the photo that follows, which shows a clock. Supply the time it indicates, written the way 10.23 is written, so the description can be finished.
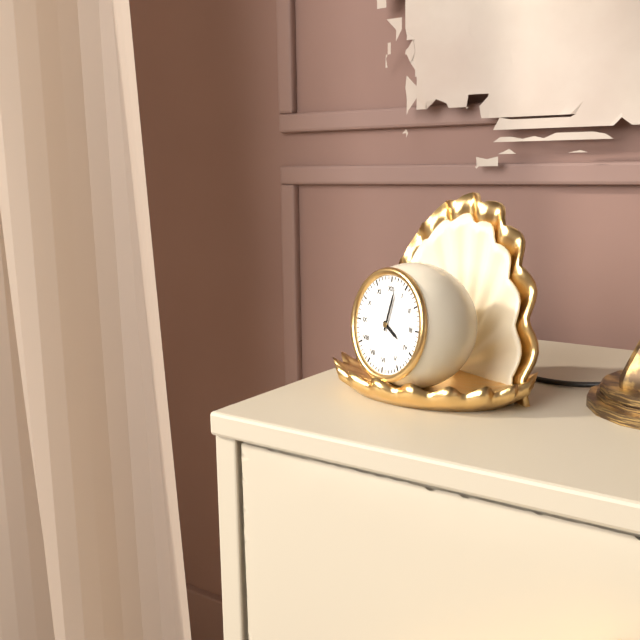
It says 4.02
